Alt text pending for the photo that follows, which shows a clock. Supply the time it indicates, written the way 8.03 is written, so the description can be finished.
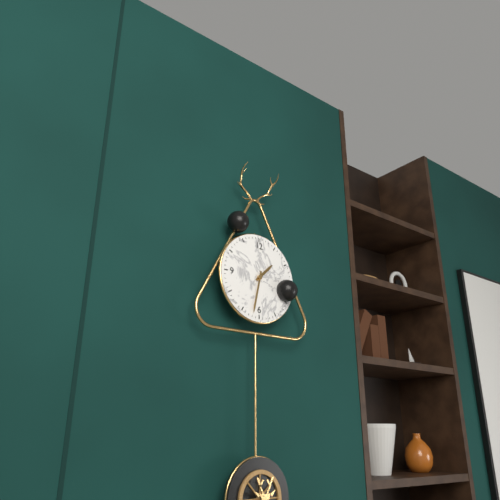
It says 1.32
